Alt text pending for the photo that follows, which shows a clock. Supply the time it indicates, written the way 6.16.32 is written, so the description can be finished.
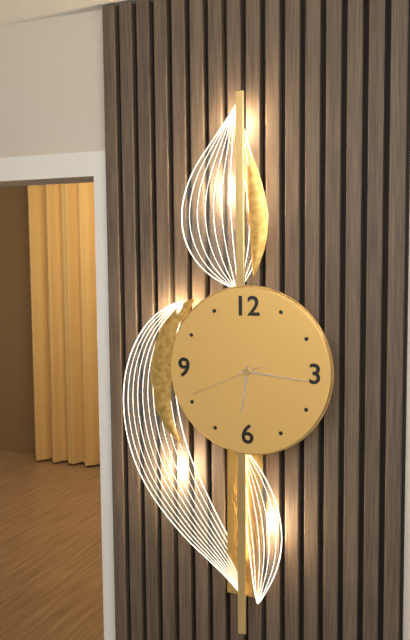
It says 6.16.41
